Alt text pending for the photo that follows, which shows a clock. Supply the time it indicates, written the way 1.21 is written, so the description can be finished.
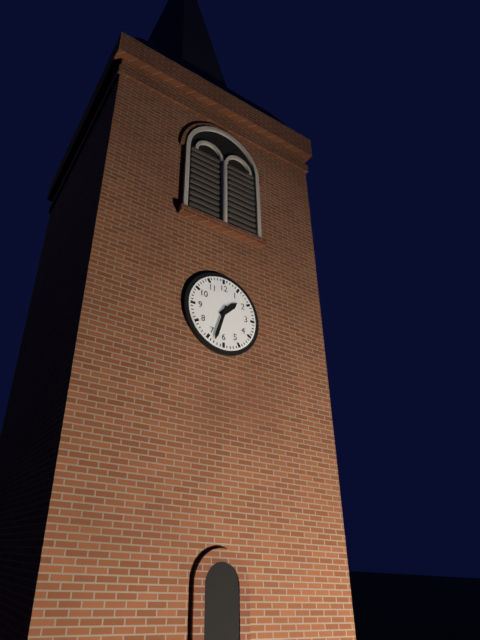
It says 1.33
